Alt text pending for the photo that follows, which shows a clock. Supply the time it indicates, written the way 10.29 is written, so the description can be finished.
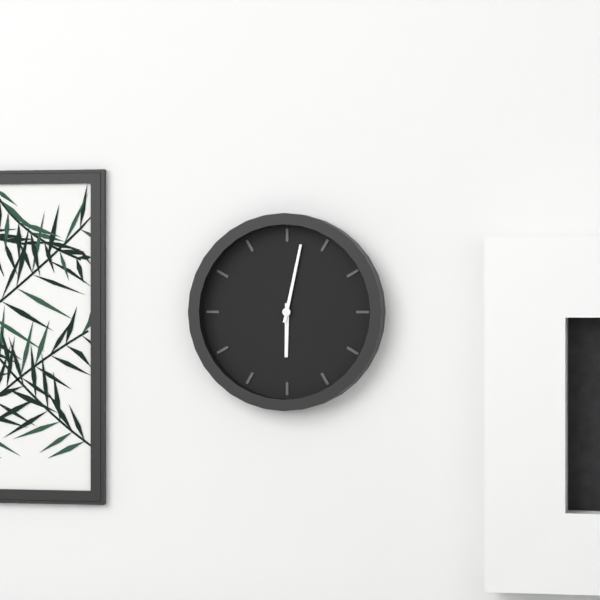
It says 6.02
